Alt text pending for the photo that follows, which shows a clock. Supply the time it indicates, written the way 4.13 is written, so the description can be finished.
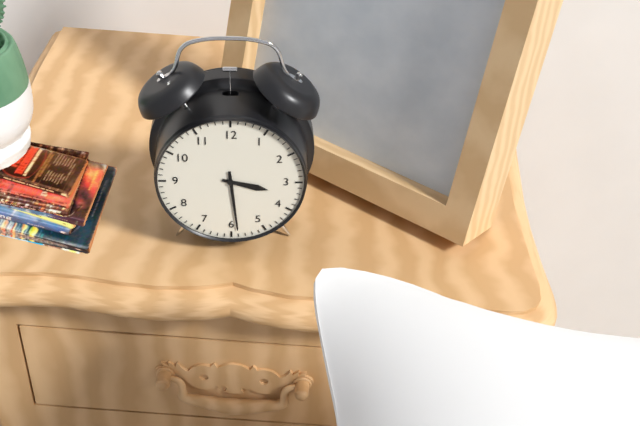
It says 3.29
